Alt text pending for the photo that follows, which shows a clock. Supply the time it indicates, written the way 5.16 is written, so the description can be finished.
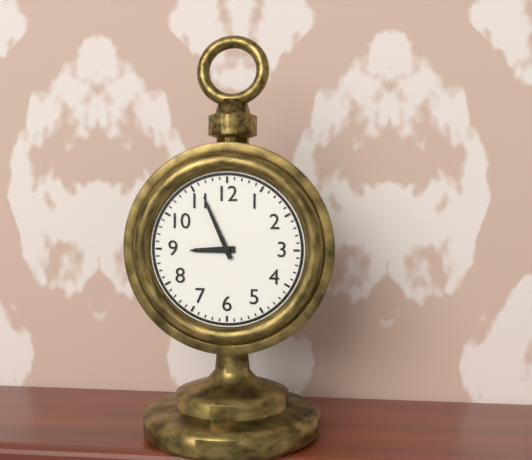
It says 8.56
